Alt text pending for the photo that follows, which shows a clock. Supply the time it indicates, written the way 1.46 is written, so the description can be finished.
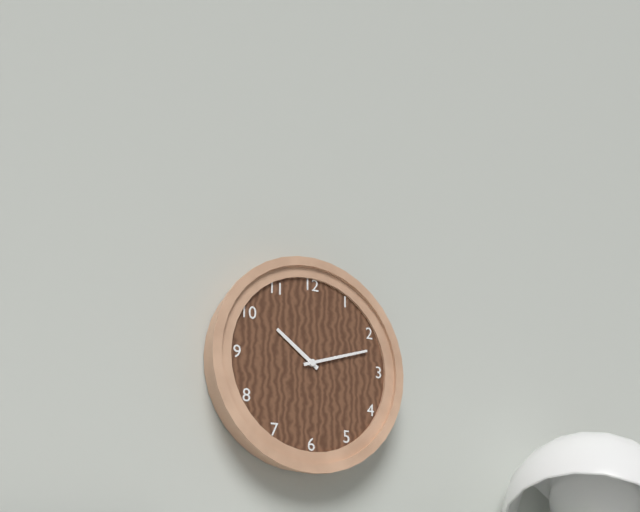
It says 10.12
